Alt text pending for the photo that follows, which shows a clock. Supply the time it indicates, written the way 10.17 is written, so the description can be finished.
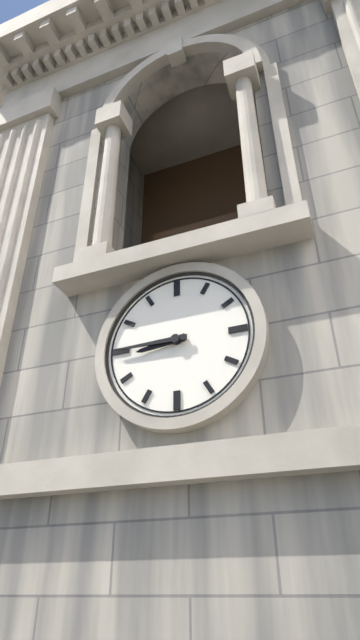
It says 8.45
